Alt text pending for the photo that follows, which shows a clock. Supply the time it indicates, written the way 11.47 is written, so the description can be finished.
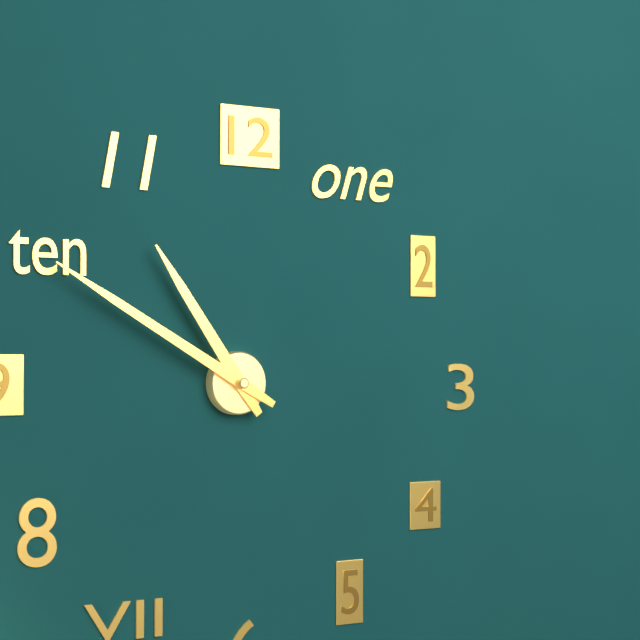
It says 10.50
